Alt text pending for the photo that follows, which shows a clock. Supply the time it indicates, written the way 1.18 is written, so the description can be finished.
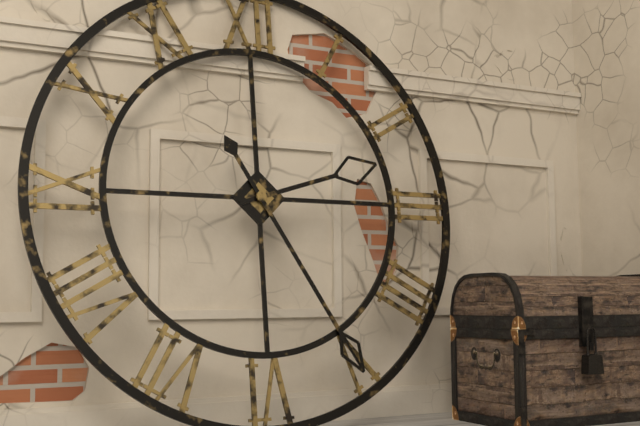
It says 2.25
